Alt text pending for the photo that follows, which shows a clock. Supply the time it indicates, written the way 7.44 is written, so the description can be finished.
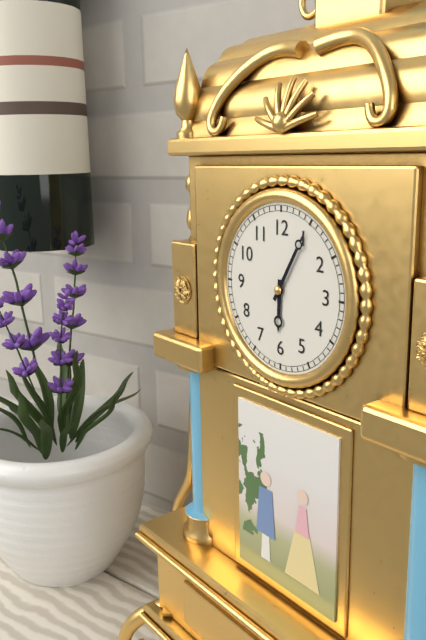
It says 6.05
